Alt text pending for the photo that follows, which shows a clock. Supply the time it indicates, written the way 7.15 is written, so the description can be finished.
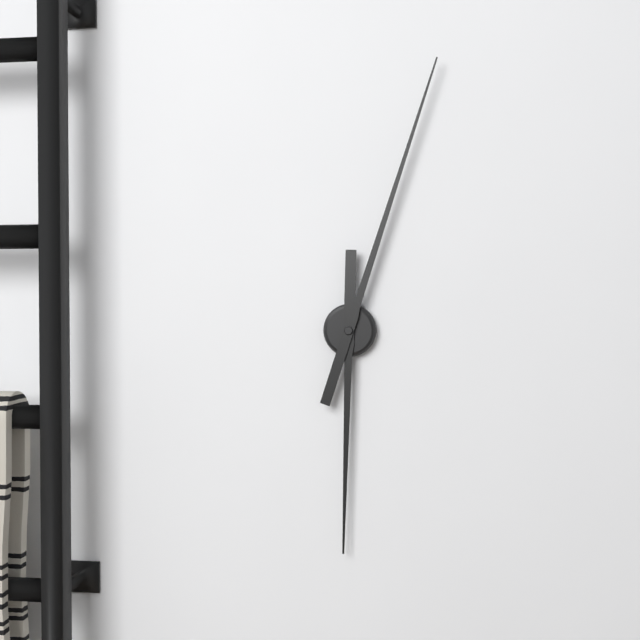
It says 6.03
